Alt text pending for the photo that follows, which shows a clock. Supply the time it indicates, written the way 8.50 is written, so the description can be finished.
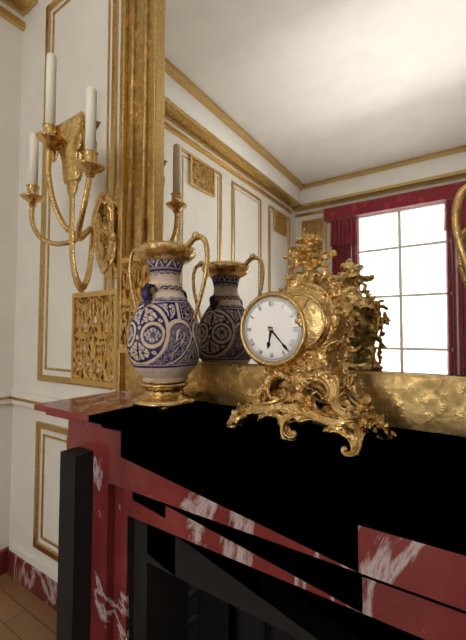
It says 6.23
